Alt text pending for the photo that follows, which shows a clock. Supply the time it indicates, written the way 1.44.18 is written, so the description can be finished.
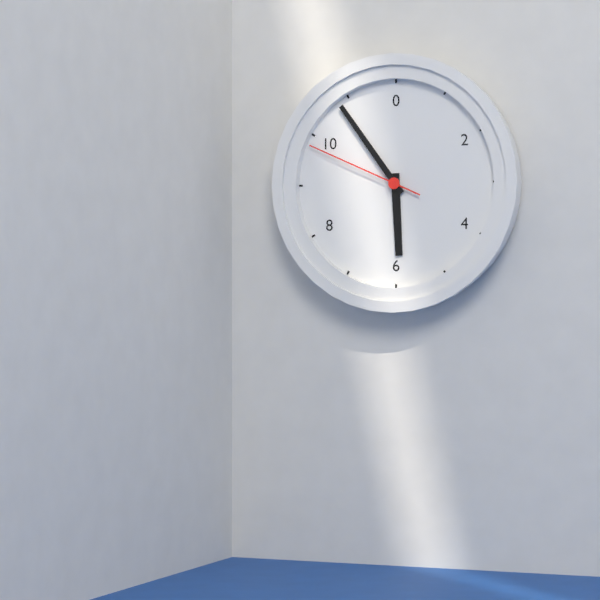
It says 5.54.49
